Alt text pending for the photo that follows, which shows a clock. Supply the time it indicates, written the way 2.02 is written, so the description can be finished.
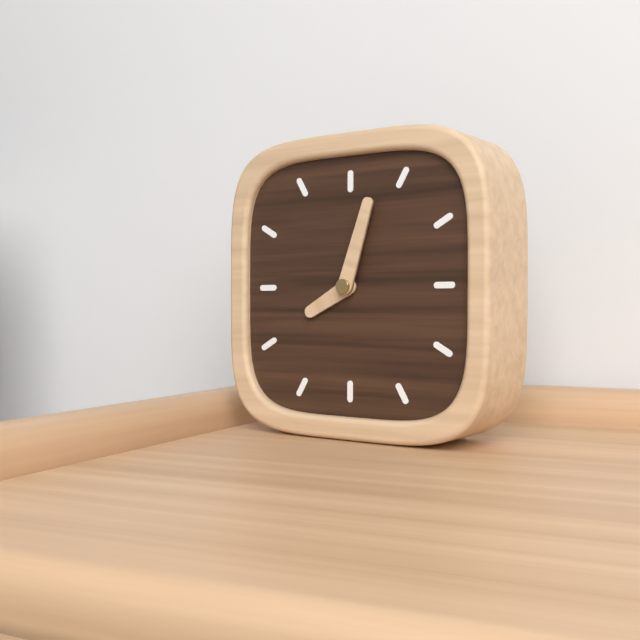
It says 8.03
